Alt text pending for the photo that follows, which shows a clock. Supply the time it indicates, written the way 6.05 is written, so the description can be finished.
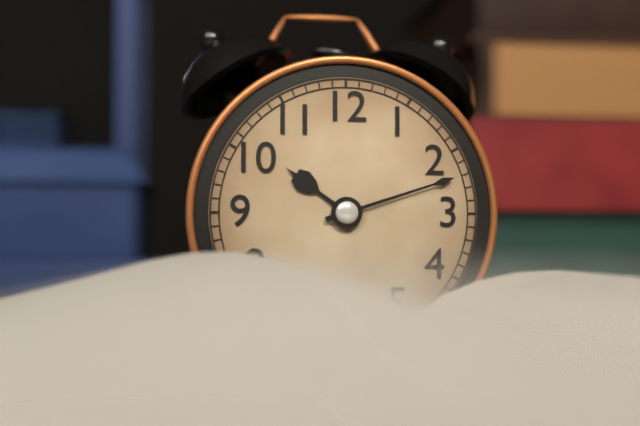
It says 10.12
